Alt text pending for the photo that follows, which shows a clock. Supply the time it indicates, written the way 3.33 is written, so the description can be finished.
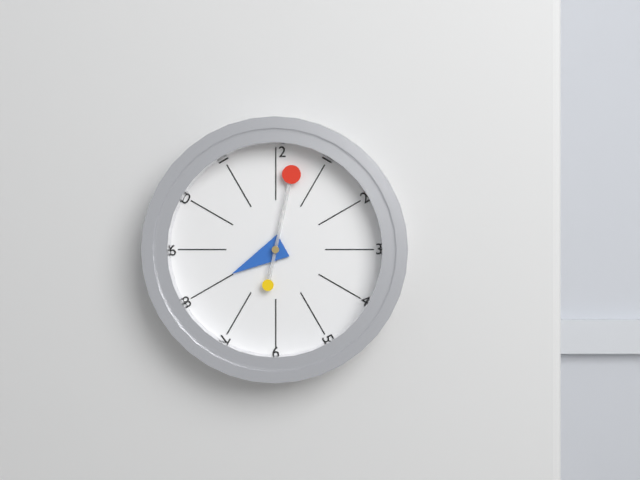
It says 8.02
